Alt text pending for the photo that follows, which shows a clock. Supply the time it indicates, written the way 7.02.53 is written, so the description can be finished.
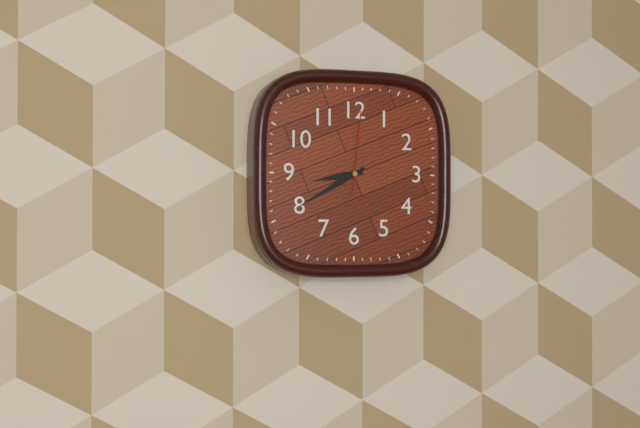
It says 8.40.01
